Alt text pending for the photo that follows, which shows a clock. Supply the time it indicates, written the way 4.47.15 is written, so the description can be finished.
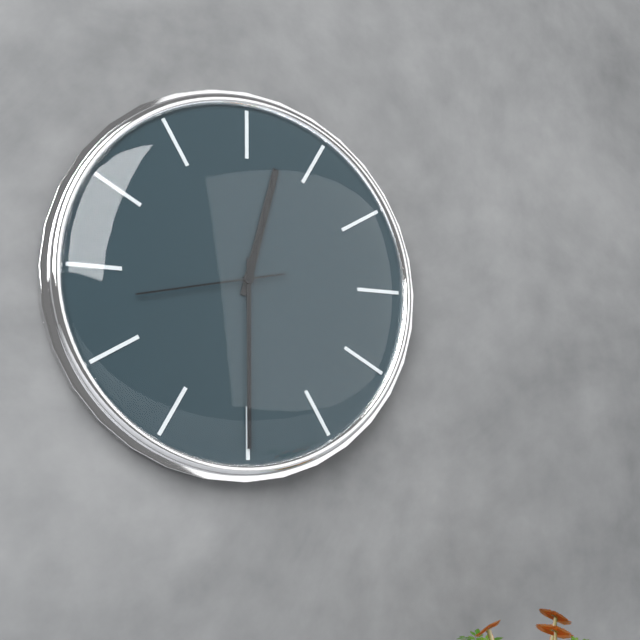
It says 12.30.43
